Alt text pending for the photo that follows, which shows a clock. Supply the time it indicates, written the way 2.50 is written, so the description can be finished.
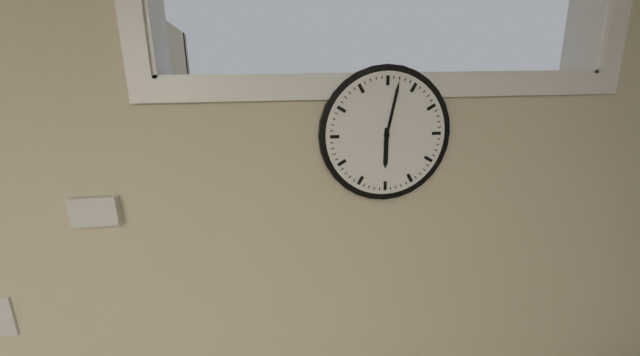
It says 6.02
